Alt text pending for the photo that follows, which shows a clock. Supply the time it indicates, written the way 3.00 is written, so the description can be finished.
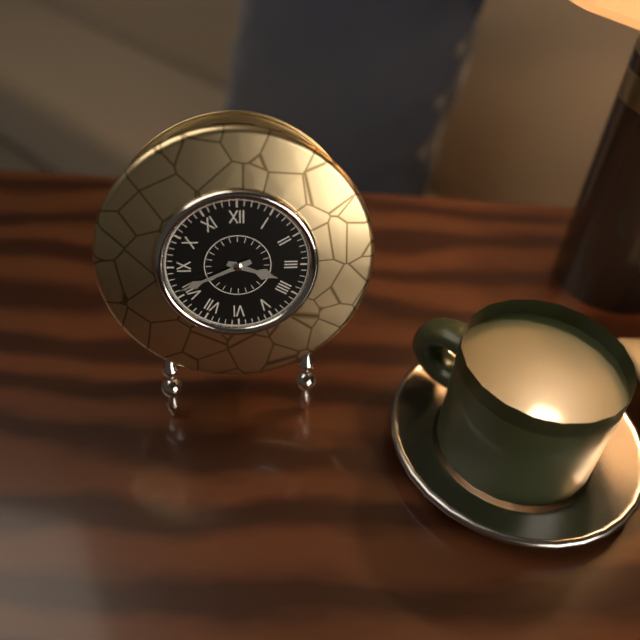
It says 3.41
